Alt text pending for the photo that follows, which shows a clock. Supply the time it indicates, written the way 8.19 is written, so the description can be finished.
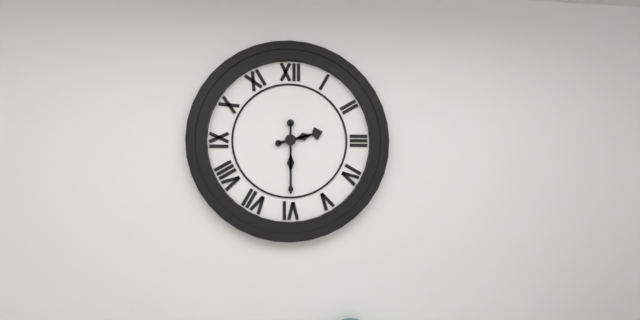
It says 2.30
